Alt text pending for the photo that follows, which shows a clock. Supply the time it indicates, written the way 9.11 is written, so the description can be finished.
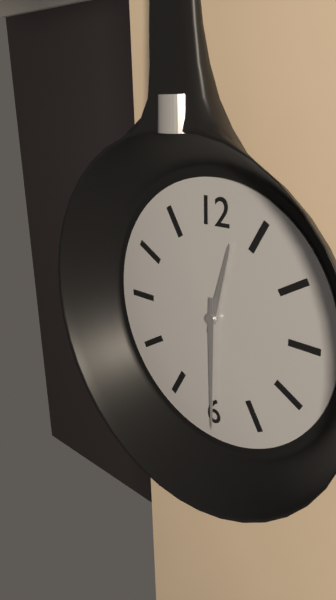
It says 12.30
